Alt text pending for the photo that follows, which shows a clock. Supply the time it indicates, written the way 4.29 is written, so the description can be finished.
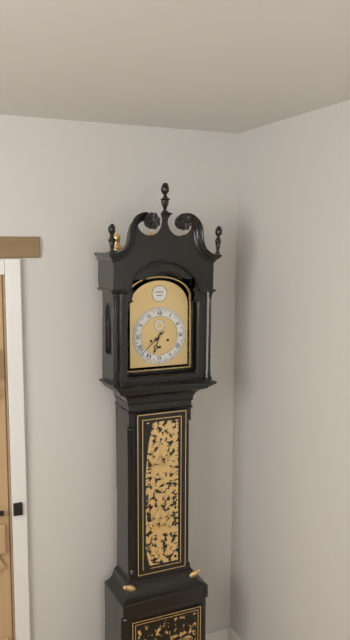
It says 6.38
